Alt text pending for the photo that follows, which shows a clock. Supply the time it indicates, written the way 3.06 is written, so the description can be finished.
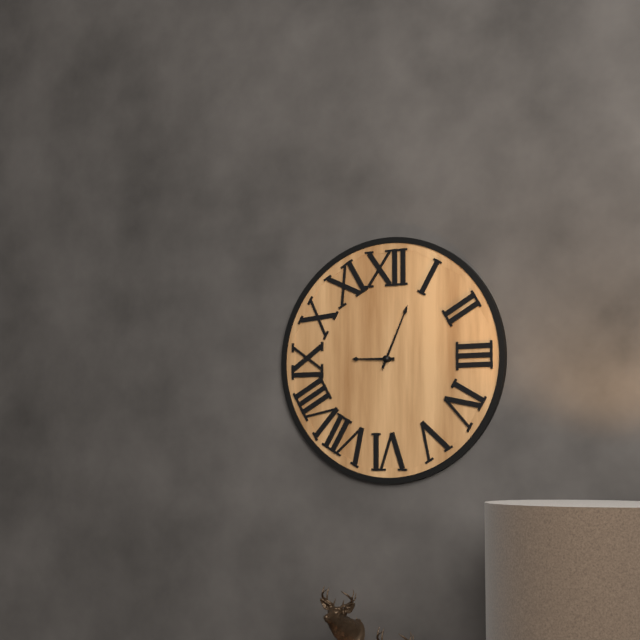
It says 9.04
